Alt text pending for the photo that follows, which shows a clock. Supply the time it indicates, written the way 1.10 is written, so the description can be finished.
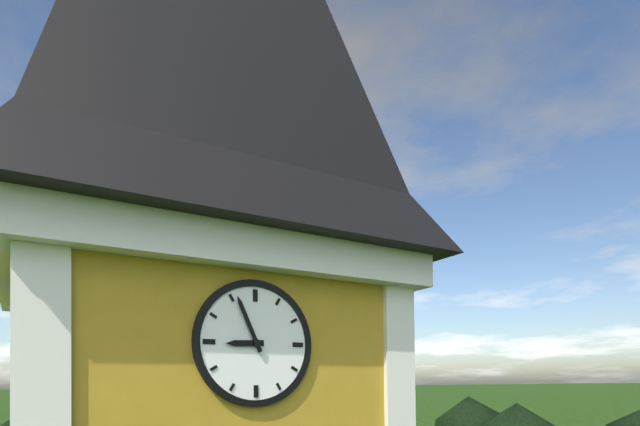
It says 8.56
